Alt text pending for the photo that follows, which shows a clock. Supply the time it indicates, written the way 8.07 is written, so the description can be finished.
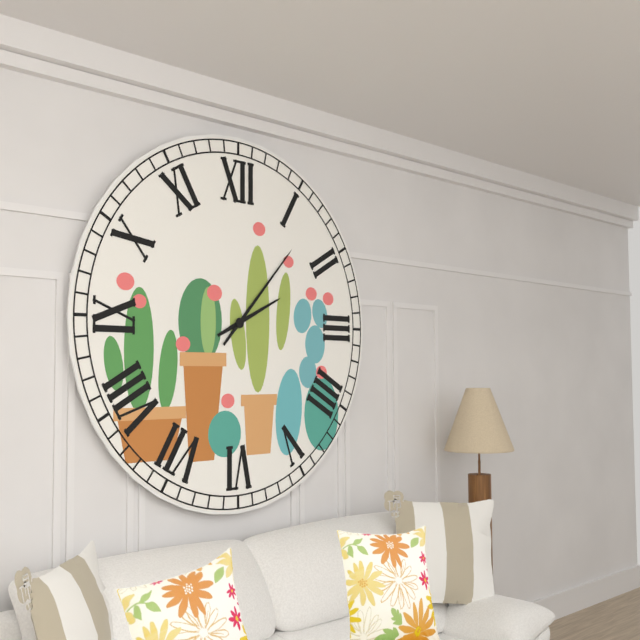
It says 2.07
